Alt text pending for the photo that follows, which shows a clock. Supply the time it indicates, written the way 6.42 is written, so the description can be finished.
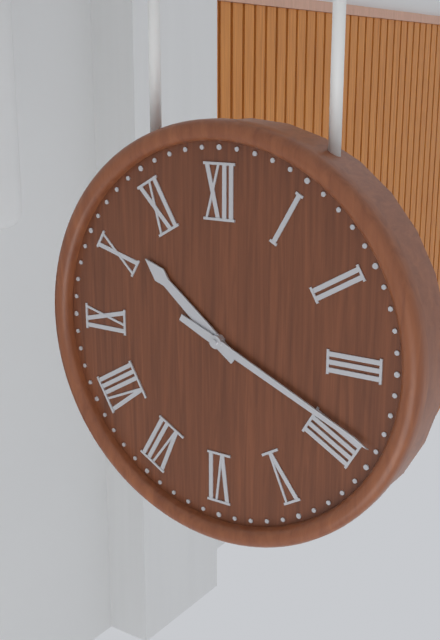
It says 10.19
